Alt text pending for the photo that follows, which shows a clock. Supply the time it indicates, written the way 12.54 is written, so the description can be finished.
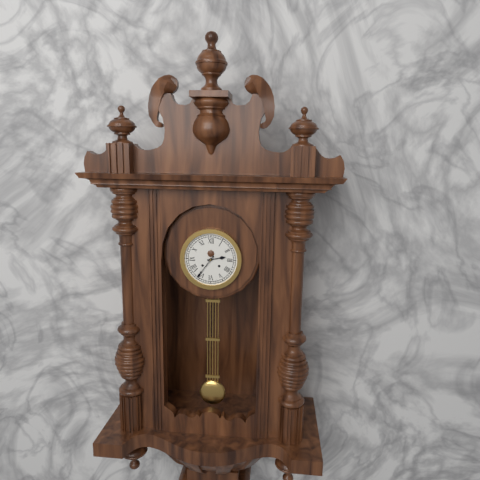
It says 2.36
